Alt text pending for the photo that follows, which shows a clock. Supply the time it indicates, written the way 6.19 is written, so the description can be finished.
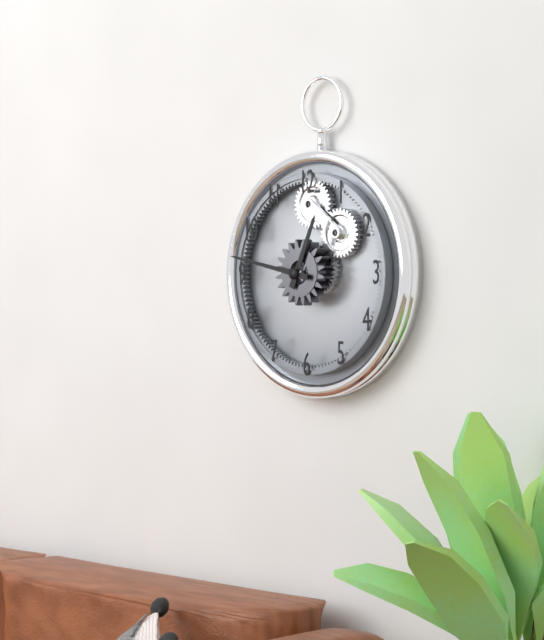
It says 12.47
